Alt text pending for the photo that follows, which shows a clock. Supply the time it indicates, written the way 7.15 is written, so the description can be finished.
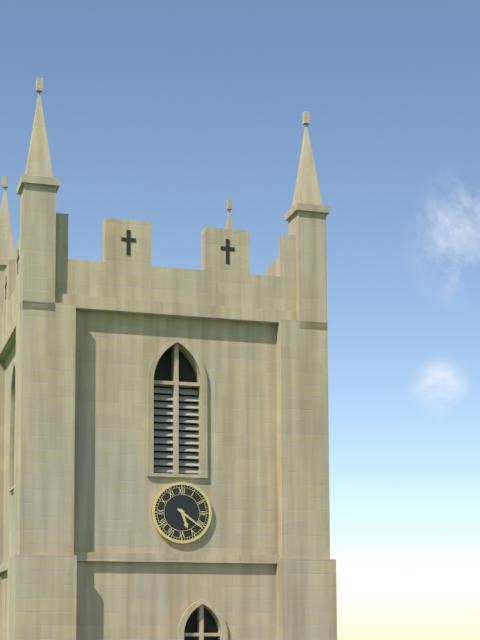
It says 5.21
